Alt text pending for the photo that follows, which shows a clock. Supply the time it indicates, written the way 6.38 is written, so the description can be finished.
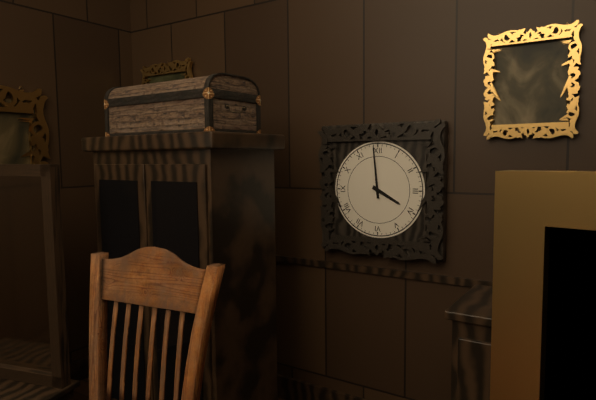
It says 3.59
